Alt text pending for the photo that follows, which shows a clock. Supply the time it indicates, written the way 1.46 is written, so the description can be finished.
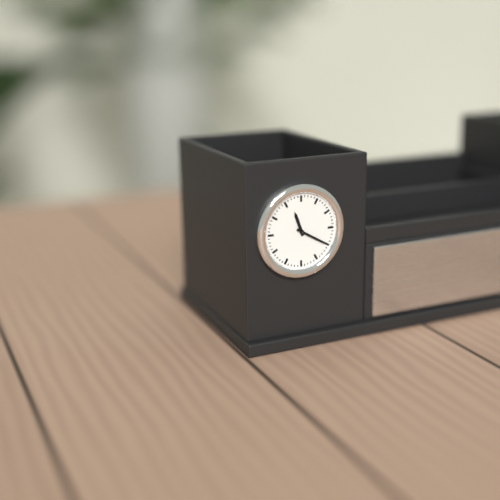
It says 11.20
